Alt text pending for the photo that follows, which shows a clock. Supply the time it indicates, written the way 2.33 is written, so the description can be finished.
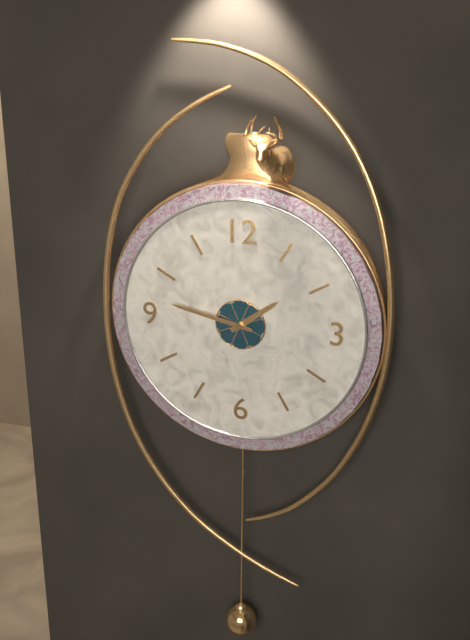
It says 1.47
